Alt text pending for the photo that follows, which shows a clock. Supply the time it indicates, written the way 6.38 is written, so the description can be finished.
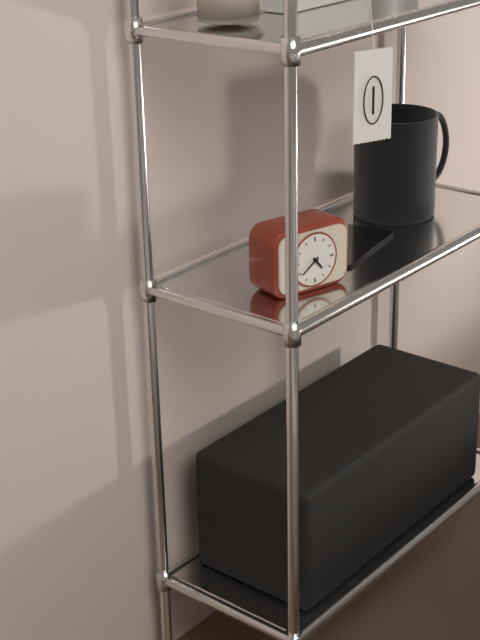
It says 4.39
